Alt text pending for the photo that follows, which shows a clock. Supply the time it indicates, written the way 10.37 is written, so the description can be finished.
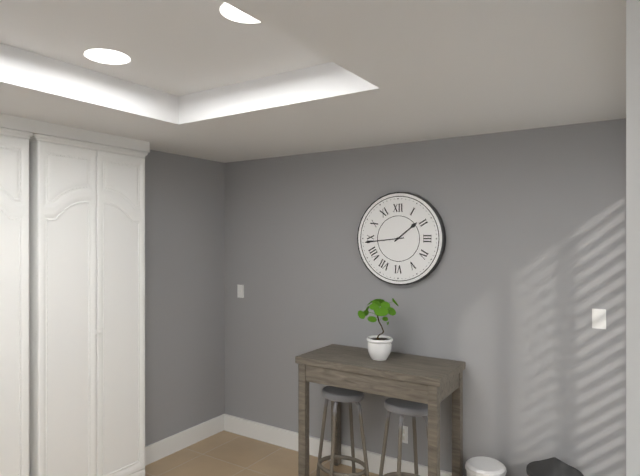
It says 1.44
